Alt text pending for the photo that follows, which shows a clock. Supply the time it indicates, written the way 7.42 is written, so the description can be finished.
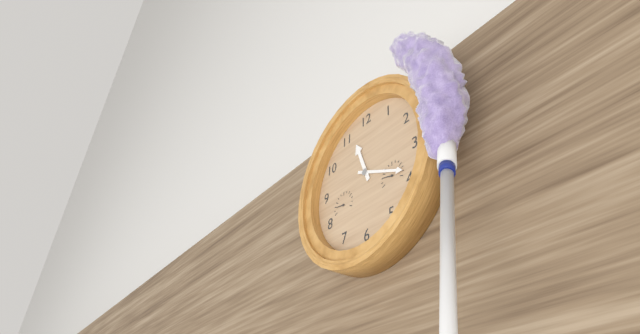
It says 11.19
